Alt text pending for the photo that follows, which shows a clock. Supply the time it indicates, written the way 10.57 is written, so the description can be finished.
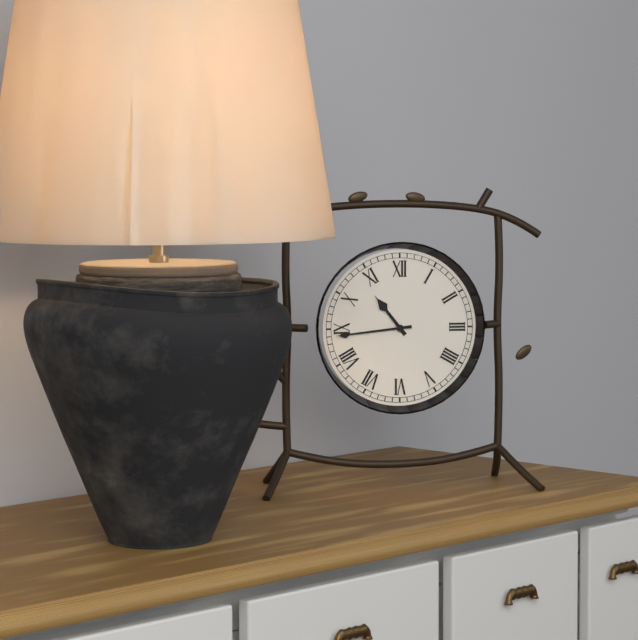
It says 10.44
